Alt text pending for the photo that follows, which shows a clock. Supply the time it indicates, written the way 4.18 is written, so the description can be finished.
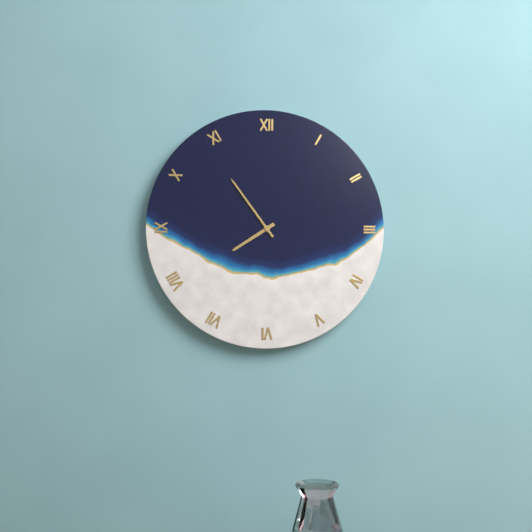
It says 7.54
